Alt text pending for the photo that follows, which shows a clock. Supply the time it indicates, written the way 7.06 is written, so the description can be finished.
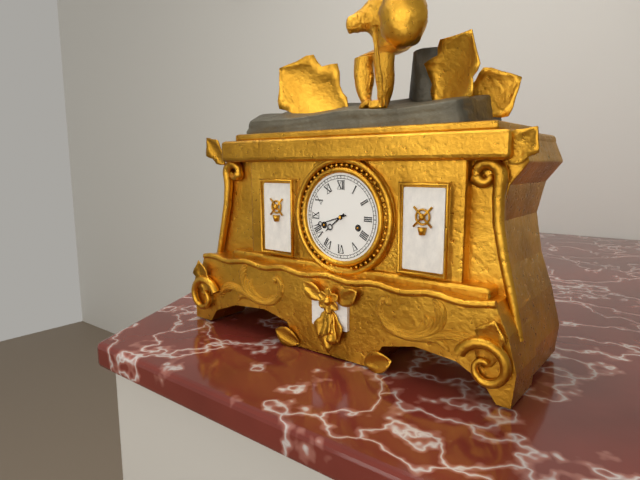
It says 7.42
